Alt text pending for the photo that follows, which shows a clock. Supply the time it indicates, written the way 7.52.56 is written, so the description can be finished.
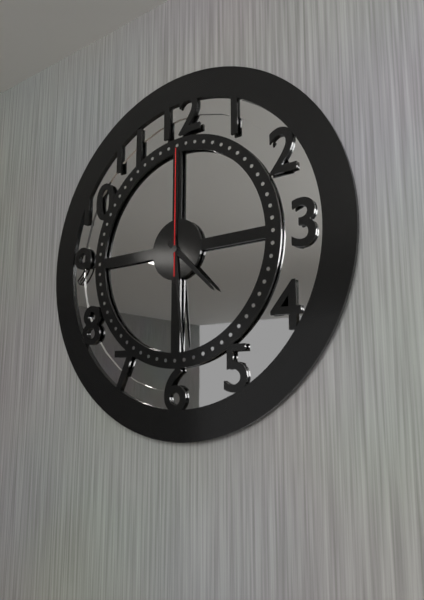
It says 4.29.00
